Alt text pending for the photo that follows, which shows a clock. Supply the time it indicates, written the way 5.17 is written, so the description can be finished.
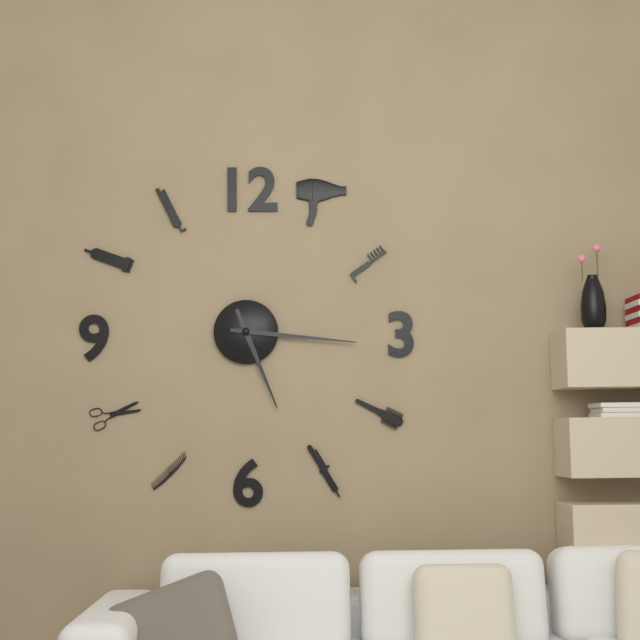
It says 5.16
